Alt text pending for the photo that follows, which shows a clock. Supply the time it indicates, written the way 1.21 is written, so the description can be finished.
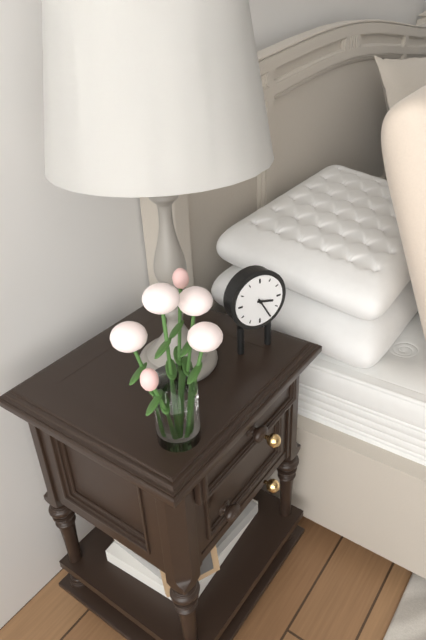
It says 3.25
